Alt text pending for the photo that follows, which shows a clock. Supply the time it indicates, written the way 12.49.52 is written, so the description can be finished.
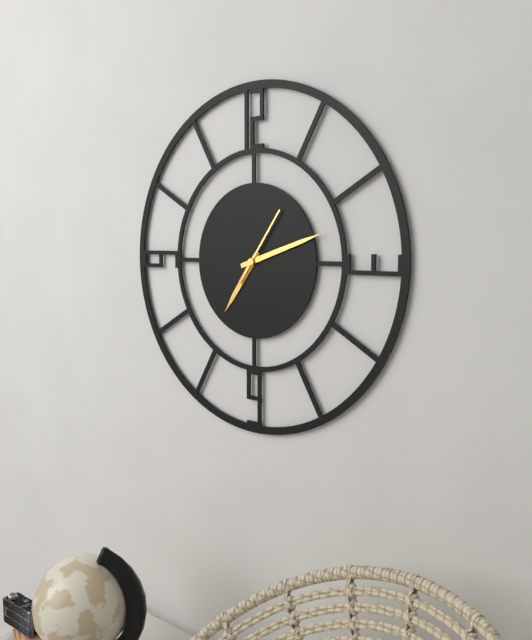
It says 7.12.06
